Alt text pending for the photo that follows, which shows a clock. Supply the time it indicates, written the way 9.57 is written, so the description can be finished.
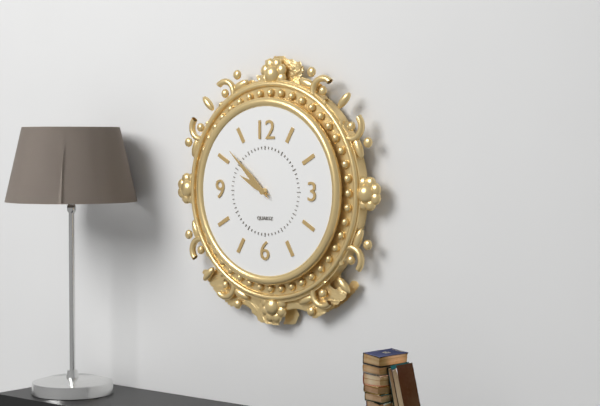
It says 9.52
